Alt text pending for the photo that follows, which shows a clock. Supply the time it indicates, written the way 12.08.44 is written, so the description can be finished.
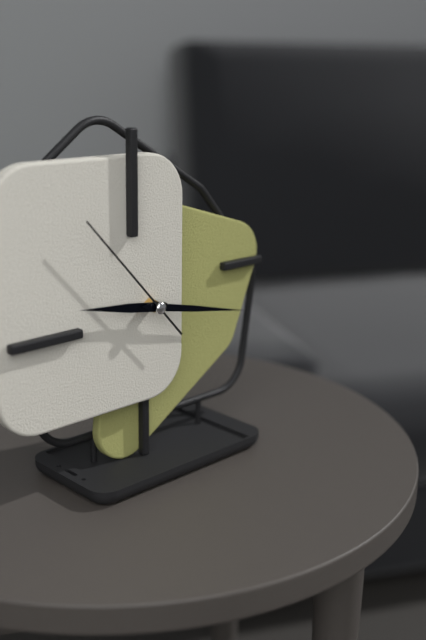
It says 9.17.53
